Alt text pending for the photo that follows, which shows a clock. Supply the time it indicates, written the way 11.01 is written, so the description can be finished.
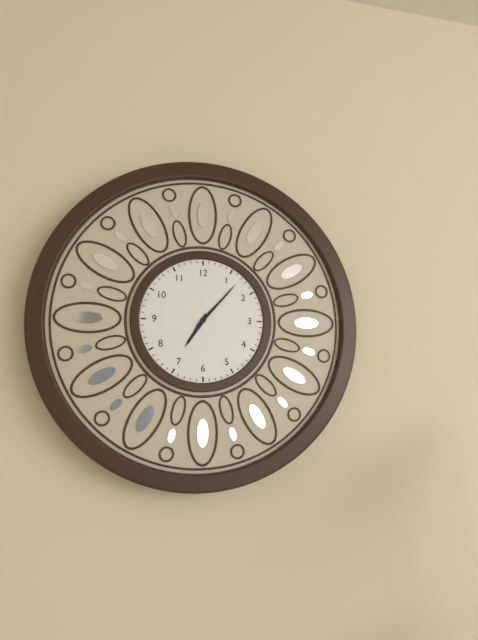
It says 7.07
